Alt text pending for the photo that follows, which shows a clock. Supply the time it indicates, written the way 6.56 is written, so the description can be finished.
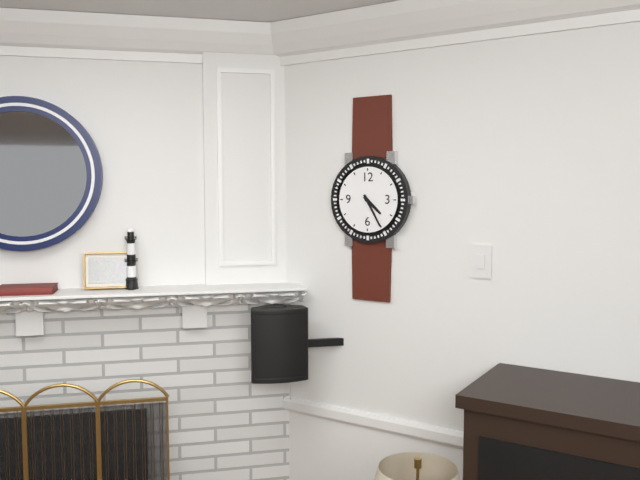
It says 4.25
